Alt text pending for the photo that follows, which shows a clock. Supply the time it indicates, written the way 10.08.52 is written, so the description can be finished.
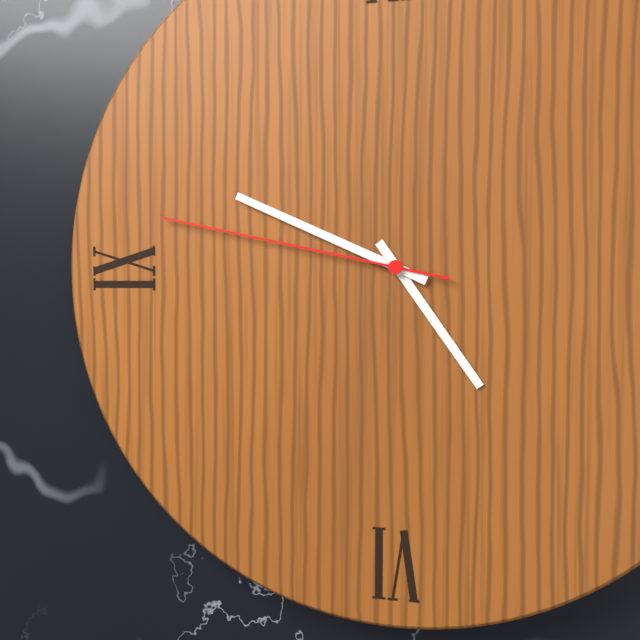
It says 4.49.47
